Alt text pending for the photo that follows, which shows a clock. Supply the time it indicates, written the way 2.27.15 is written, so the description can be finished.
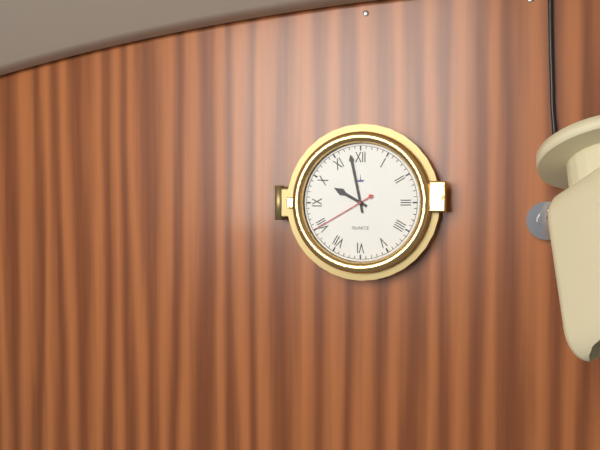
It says 9.58.40
